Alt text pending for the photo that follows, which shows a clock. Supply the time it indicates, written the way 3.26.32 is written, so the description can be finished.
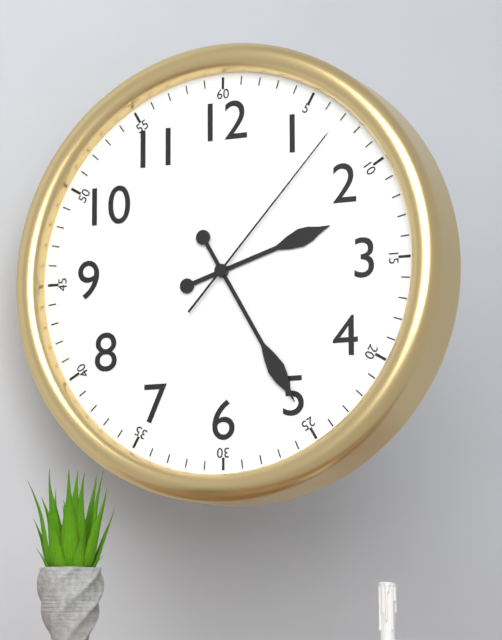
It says 2.25.07
